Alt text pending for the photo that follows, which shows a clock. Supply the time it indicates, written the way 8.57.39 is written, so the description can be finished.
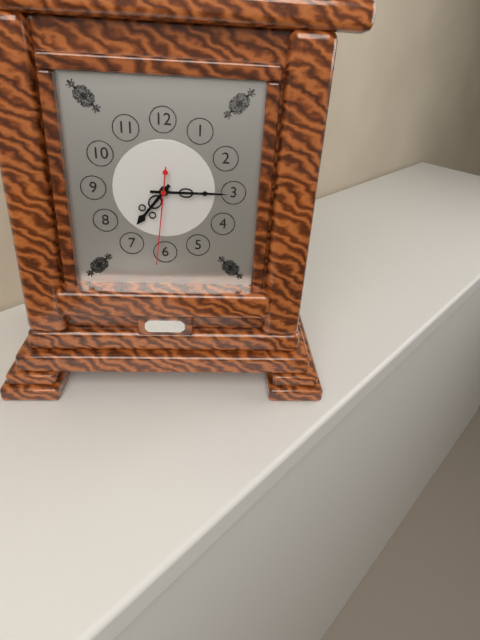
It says 7.15.31
